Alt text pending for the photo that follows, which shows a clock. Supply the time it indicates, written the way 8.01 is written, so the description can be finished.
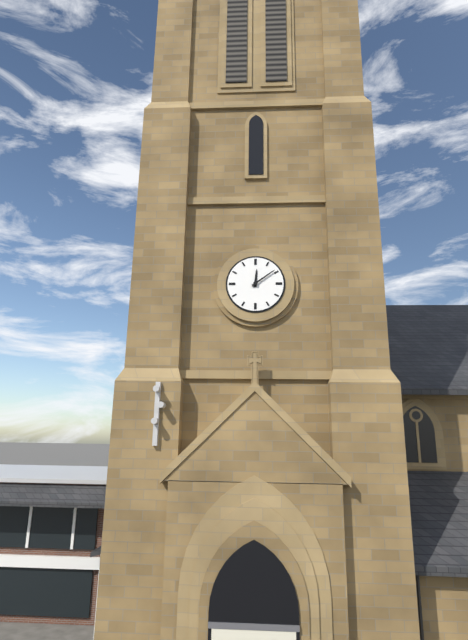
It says 12.09
